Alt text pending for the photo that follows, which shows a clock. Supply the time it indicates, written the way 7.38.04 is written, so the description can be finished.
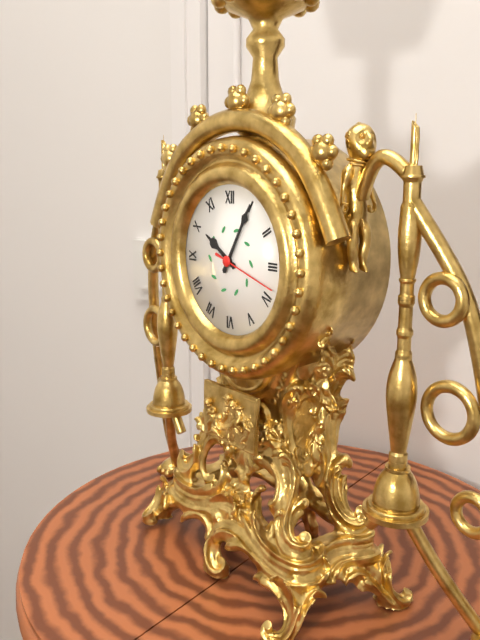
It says 10.05.18
